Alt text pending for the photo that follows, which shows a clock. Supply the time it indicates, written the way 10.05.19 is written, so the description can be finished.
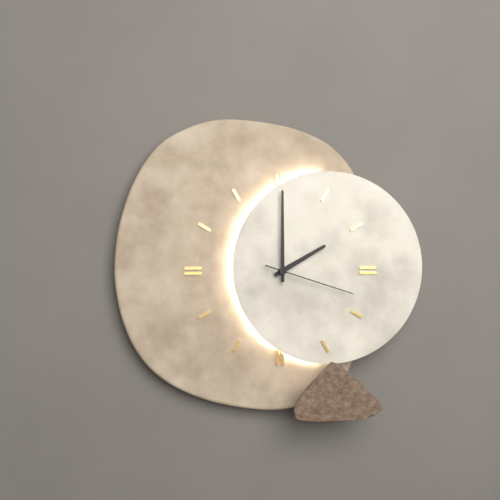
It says 2.00.18
